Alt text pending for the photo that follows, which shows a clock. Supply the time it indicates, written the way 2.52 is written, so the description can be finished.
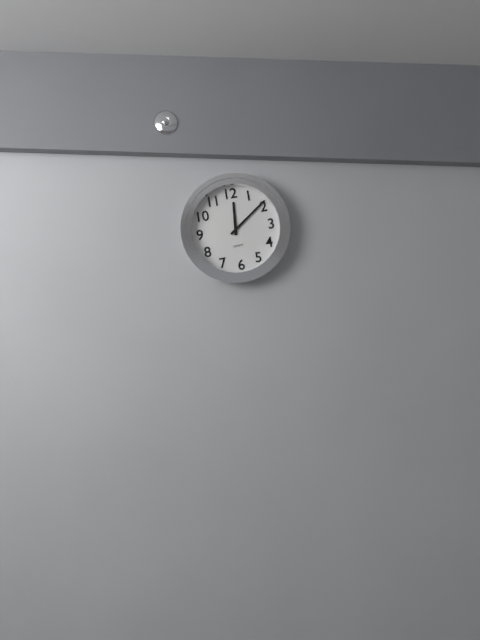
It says 12.09
